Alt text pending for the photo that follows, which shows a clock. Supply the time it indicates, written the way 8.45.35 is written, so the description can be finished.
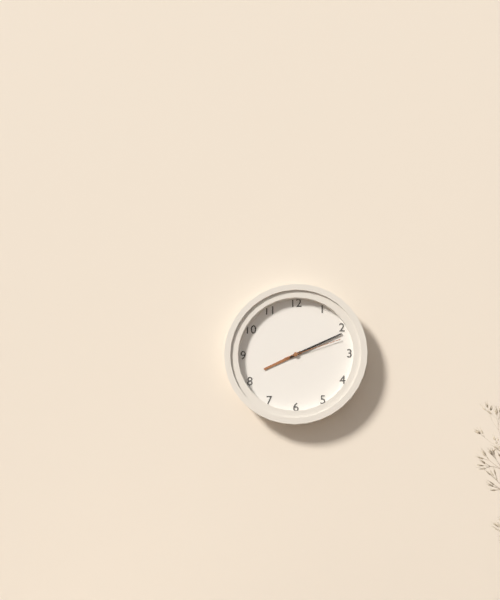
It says 8.11.12
